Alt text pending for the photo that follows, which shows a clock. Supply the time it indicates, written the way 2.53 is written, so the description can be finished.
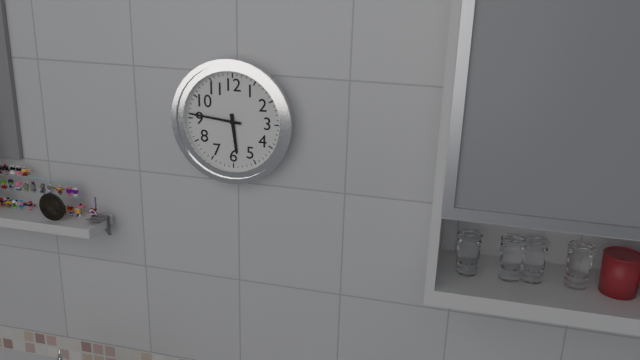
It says 5.46
